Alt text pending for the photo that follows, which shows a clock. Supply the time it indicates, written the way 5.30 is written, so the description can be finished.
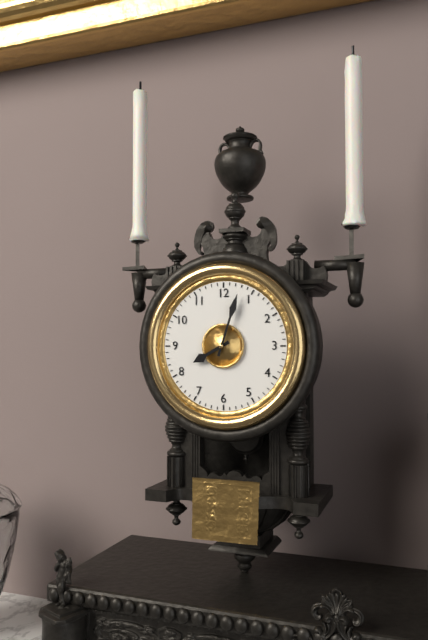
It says 8.03
